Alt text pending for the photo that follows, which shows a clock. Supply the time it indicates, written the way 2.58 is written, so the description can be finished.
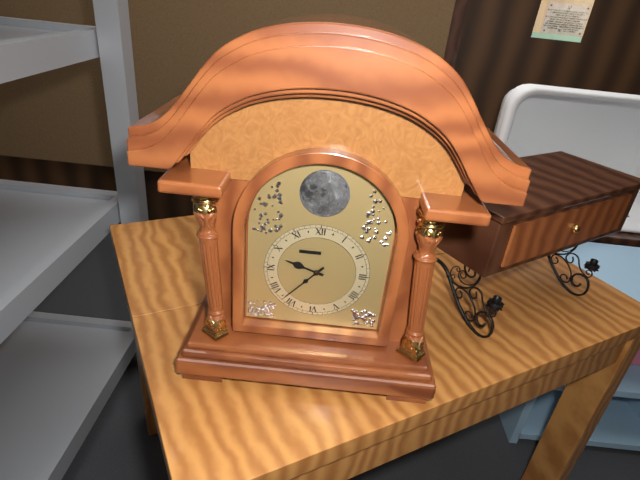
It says 9.37
